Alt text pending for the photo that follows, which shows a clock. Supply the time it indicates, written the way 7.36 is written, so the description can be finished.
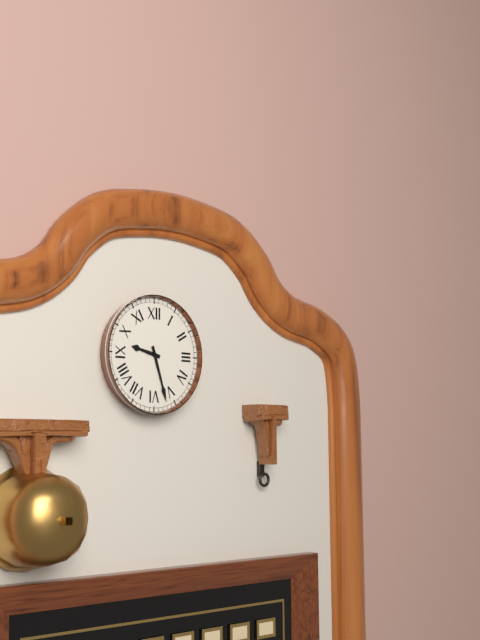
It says 9.27
